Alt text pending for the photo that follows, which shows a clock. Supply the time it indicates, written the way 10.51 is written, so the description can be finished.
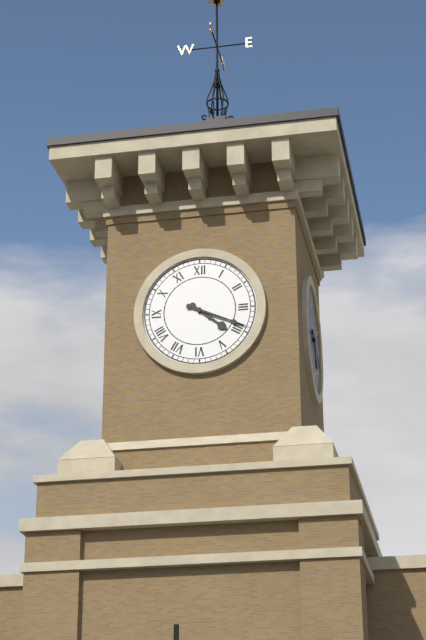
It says 4.19
